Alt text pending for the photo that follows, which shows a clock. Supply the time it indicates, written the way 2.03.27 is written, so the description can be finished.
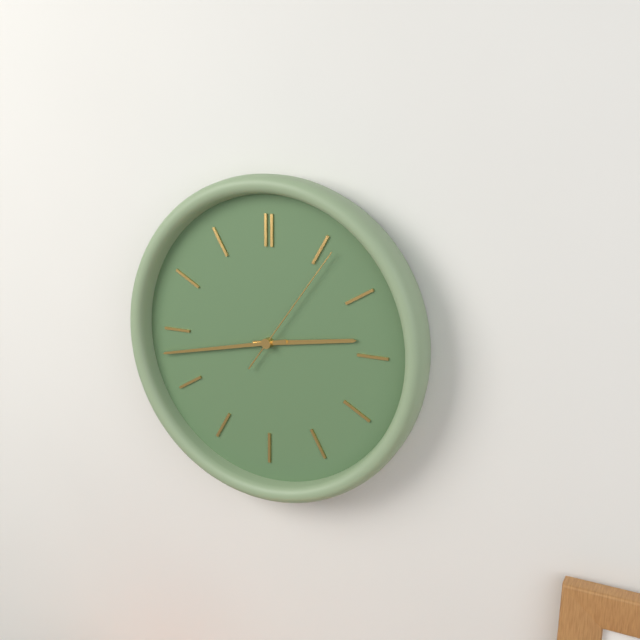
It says 2.43.06
